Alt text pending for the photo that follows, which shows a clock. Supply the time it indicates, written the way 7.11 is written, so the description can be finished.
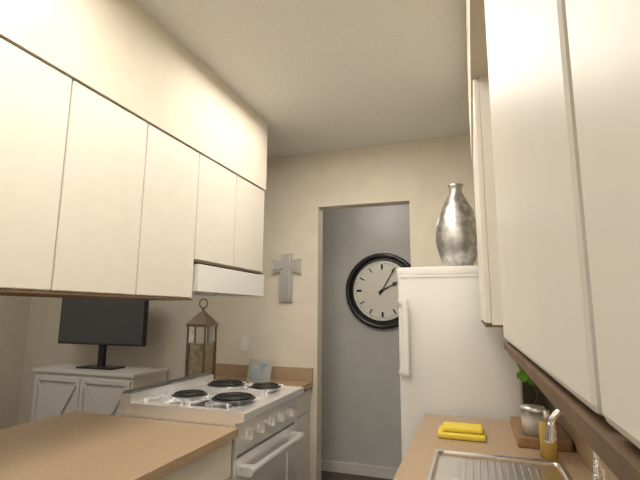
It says 2.05
